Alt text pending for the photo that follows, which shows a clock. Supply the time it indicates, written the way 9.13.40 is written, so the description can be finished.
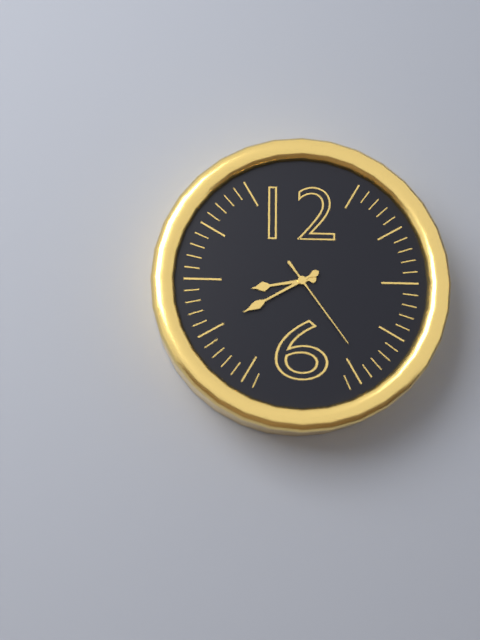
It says 8.40.24
